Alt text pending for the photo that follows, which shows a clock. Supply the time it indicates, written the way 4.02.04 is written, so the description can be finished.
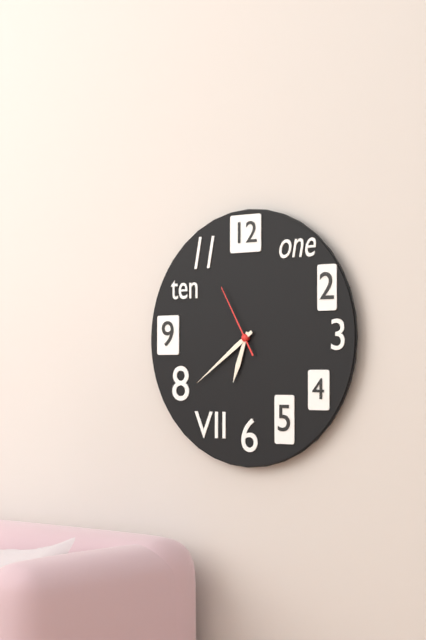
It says 6.39.55
